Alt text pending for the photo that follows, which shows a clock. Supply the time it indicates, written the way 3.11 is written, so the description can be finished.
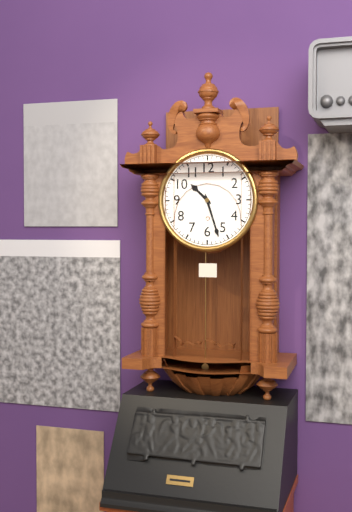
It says 10.27
